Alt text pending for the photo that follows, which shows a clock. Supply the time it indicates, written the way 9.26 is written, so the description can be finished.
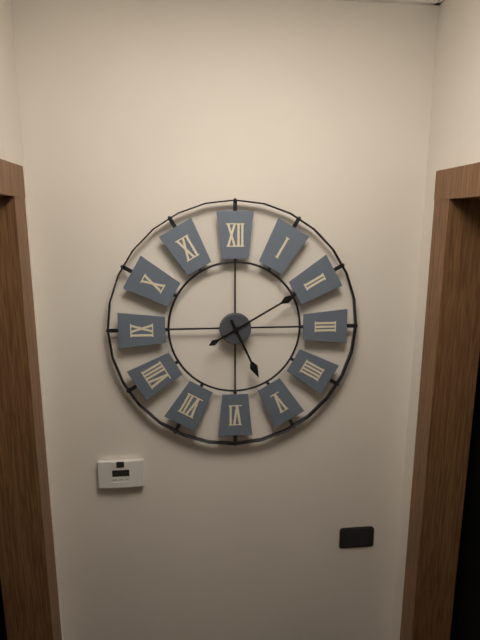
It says 5.10
